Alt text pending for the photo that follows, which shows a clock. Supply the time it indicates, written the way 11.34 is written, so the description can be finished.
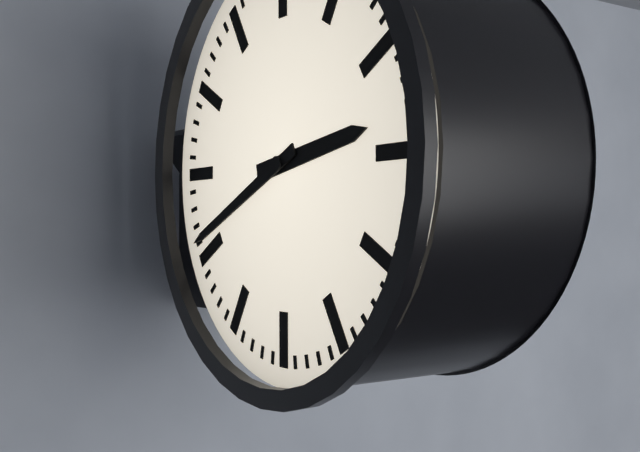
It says 2.41
